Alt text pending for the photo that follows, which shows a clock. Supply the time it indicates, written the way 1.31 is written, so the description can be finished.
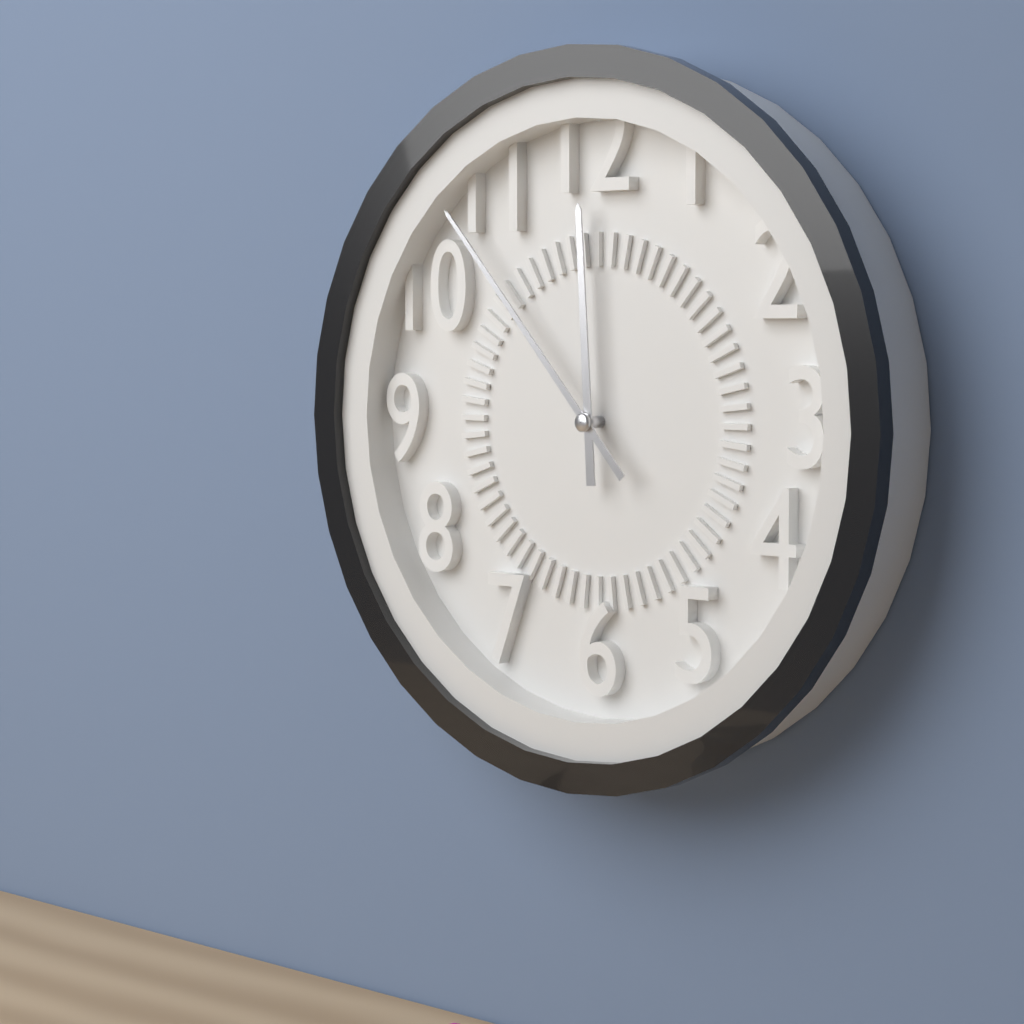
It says 11.53
